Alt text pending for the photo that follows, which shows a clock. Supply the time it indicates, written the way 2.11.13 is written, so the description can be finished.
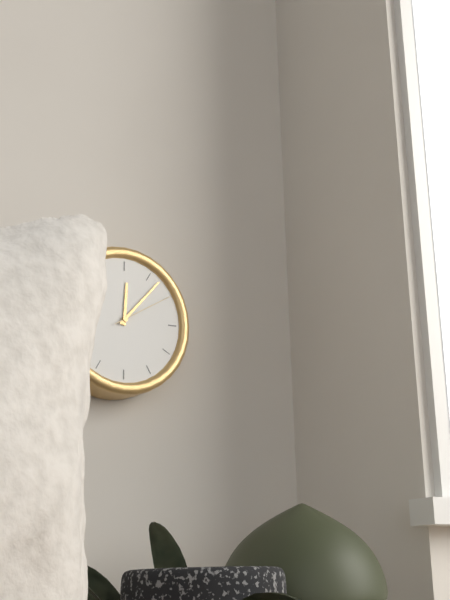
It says 12.07.10
